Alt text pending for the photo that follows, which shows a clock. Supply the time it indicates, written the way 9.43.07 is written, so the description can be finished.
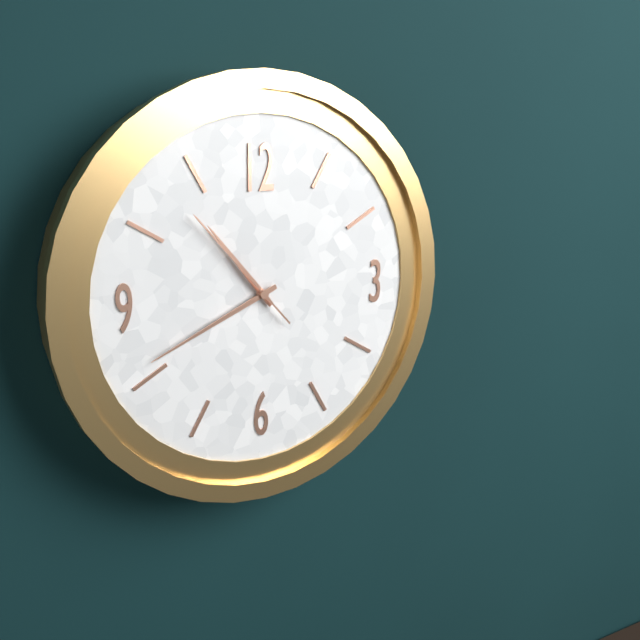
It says 10.41.53
